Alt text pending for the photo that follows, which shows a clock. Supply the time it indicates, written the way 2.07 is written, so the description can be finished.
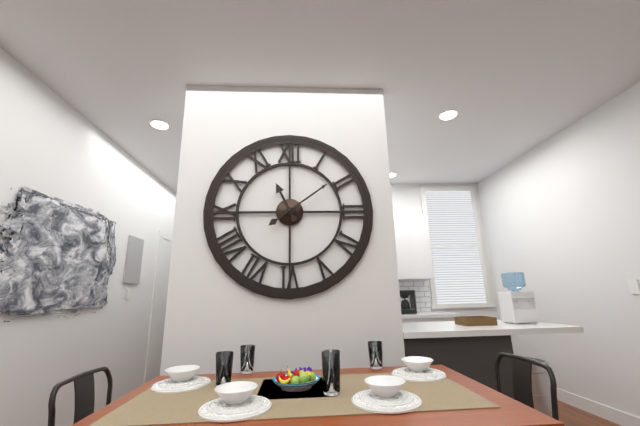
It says 11.09
